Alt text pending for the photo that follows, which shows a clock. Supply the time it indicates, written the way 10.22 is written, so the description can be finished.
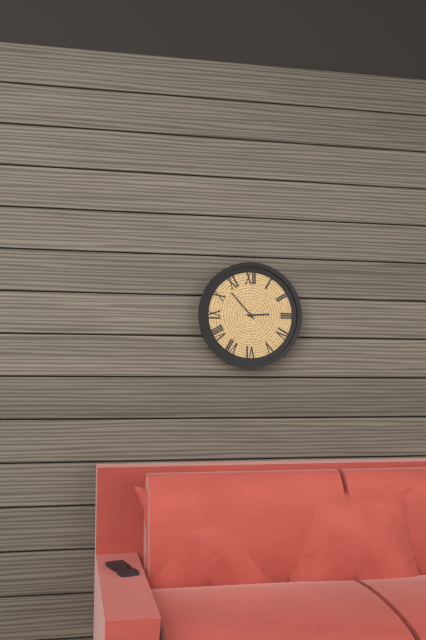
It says 2.53
